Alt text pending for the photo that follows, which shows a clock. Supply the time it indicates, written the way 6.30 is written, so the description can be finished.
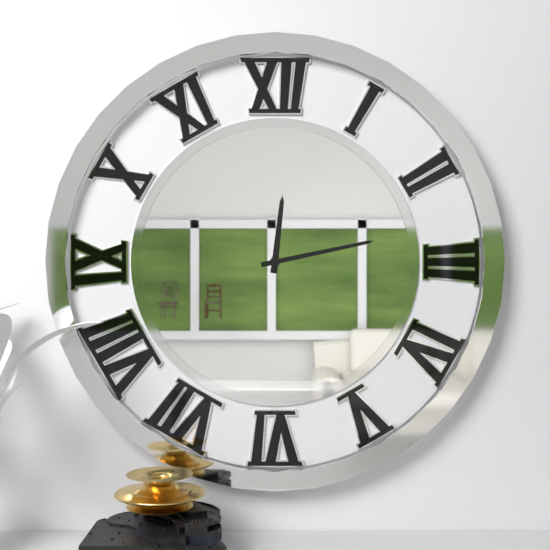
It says 12.13
